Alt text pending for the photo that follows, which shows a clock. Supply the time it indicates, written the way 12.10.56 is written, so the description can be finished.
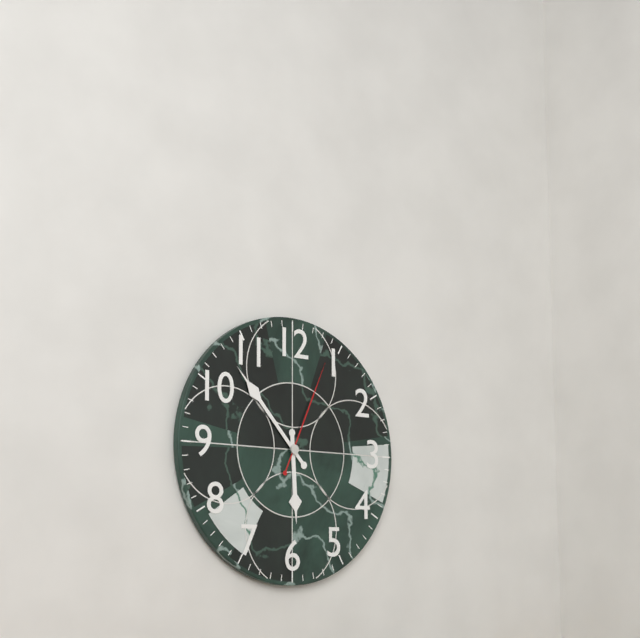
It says 5.53.04
